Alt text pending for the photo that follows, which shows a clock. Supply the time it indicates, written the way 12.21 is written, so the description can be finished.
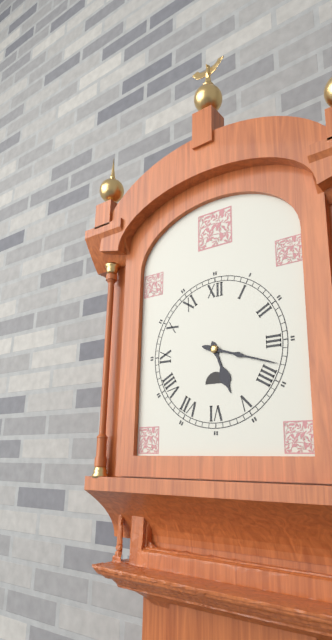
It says 5.18
